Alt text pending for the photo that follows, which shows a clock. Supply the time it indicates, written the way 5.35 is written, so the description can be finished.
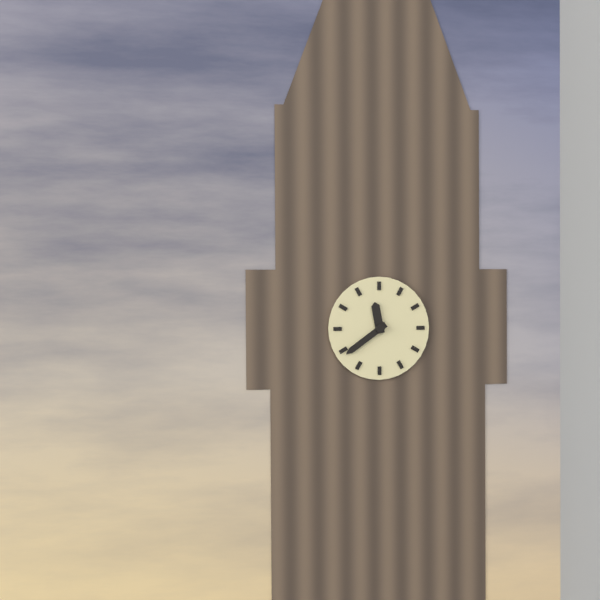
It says 11.39
